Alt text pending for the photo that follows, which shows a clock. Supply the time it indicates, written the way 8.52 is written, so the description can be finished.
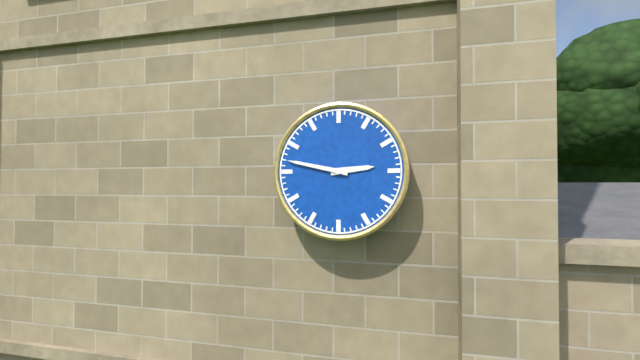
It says 2.47
